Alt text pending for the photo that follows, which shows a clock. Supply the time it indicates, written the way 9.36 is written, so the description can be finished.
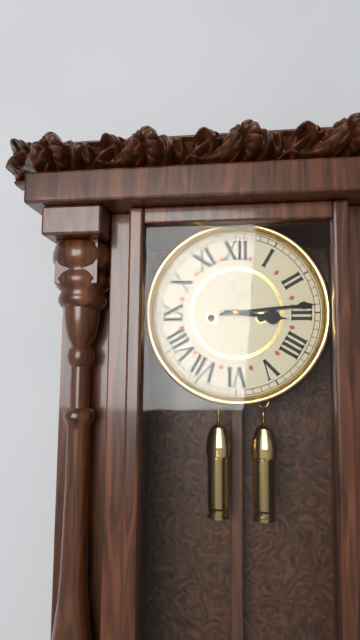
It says 3.14
